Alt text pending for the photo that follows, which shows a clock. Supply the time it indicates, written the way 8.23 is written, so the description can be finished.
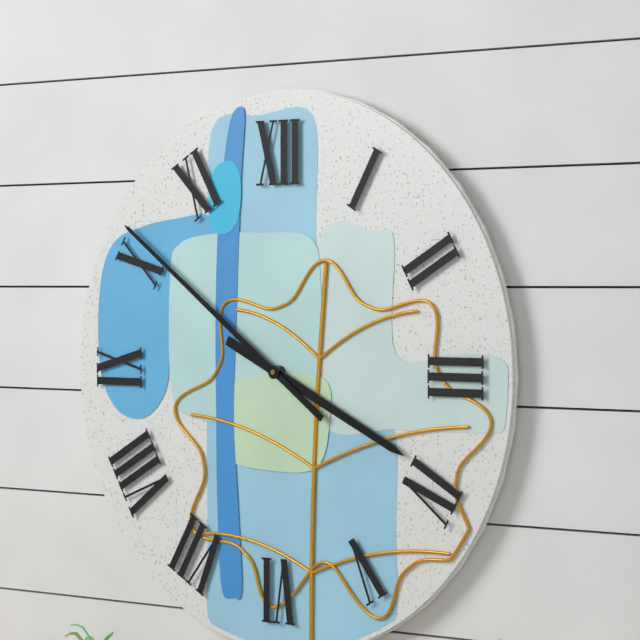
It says 3.51
